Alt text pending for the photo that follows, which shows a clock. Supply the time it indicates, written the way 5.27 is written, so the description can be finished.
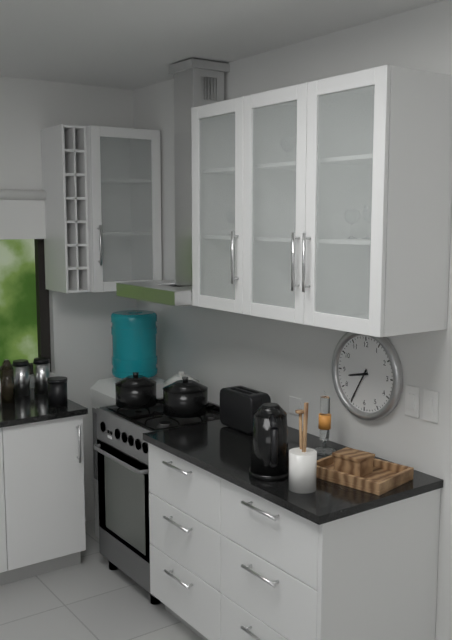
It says 8.35
